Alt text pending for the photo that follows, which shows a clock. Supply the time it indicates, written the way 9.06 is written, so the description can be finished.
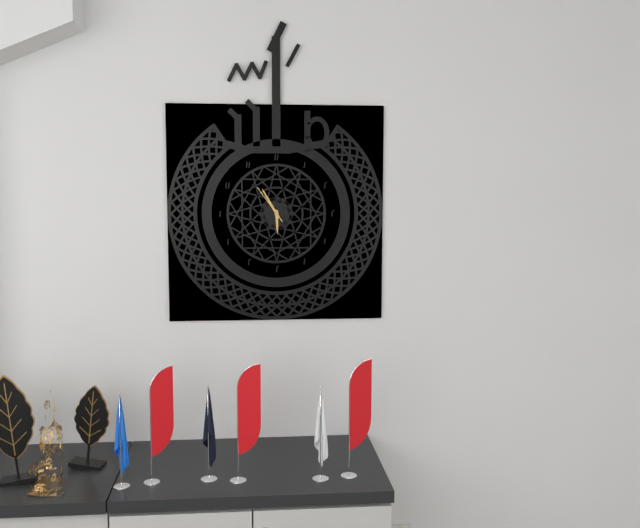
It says 5.55
